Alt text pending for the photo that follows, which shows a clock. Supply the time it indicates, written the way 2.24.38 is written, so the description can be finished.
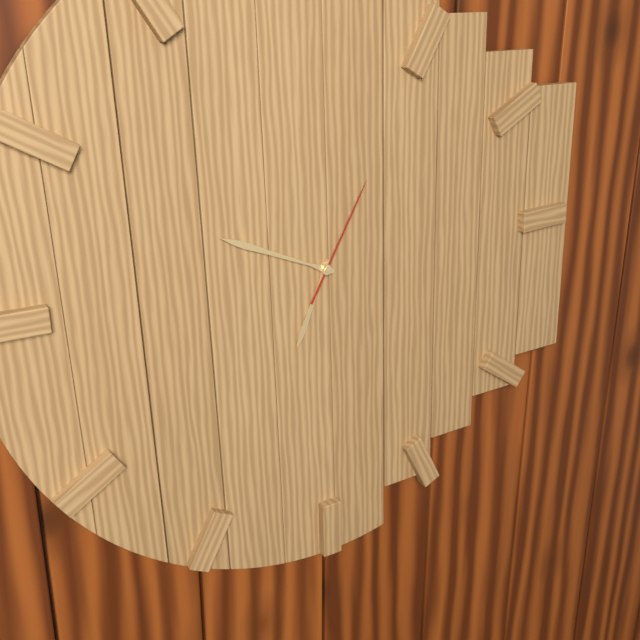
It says 6.49.05
